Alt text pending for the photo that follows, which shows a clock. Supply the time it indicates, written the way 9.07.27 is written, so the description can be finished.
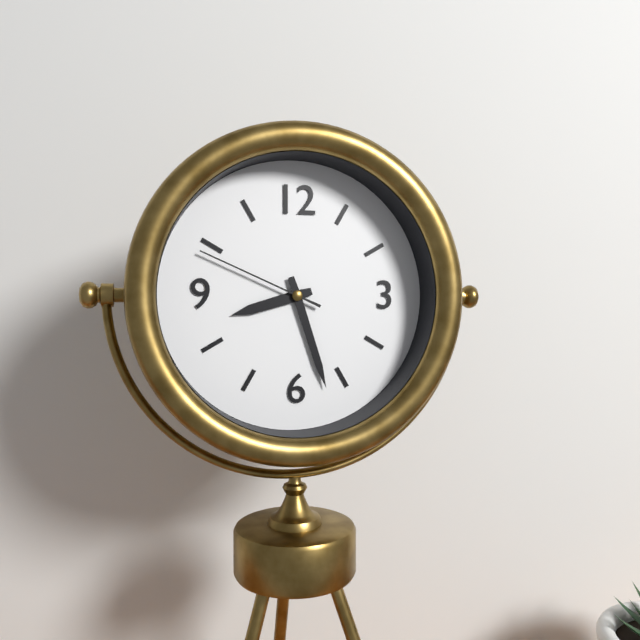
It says 8.27.49
